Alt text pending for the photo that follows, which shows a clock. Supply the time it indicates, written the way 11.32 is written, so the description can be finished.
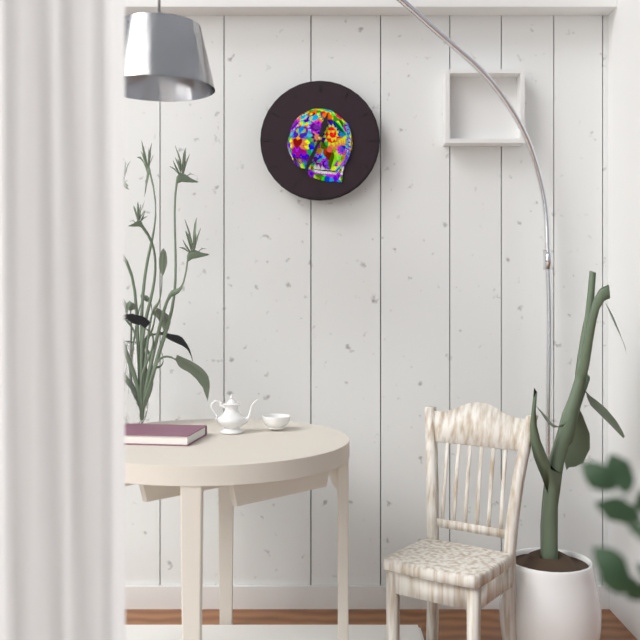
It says 12.34
